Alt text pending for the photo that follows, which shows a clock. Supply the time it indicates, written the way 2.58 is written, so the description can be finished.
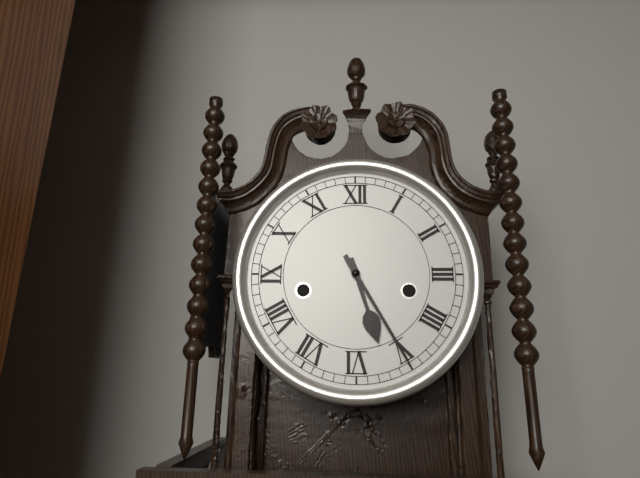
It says 5.25
